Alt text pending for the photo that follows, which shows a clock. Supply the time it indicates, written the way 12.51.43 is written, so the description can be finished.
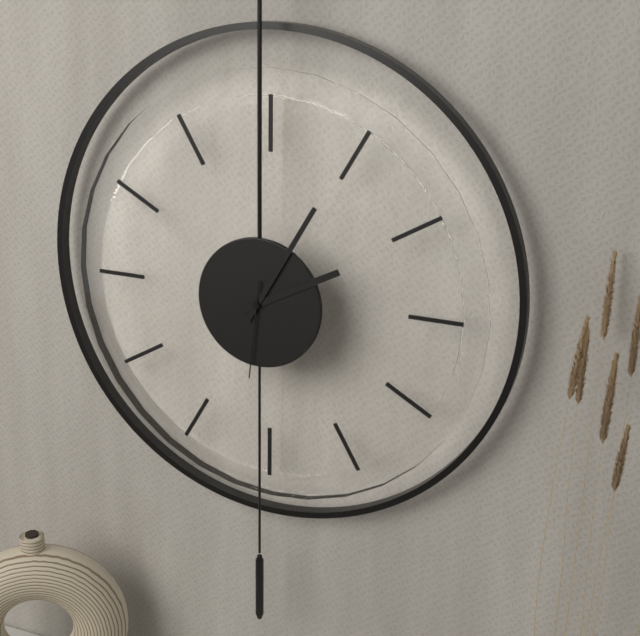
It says 2.05.31
